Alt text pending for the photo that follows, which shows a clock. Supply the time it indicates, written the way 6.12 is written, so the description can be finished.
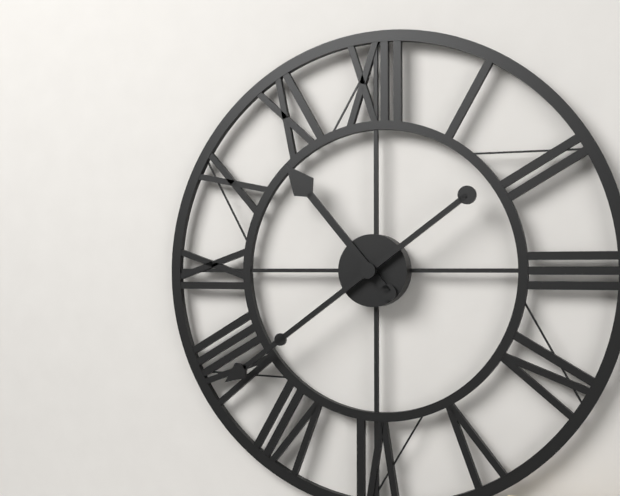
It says 10.39
